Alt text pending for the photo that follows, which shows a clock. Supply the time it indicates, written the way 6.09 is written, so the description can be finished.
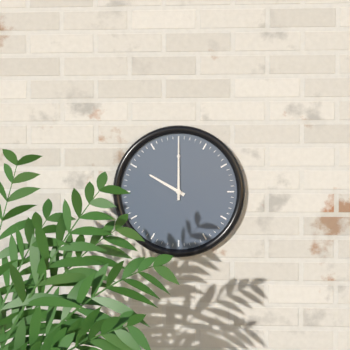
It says 10.00
